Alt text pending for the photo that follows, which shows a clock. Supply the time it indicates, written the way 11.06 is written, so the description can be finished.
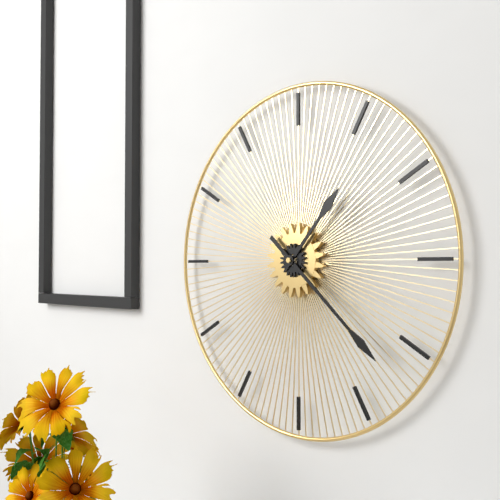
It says 1.22
